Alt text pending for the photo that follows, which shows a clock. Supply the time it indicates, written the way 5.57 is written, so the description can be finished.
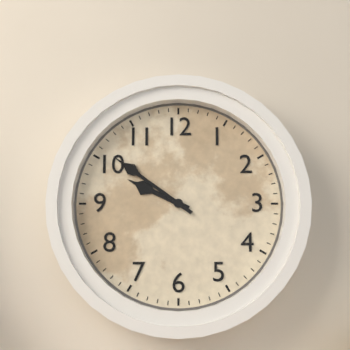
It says 9.51
